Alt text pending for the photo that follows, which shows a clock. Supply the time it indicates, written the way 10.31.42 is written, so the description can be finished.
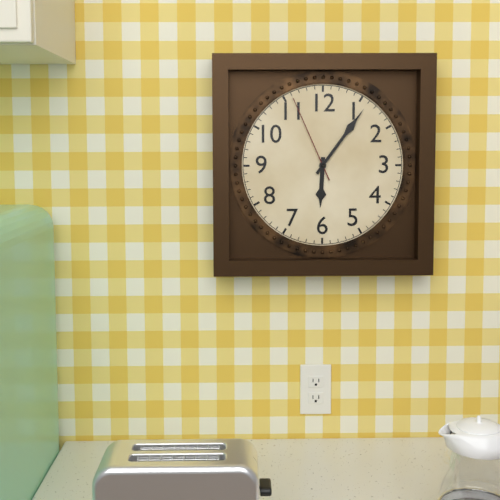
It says 6.06.56
